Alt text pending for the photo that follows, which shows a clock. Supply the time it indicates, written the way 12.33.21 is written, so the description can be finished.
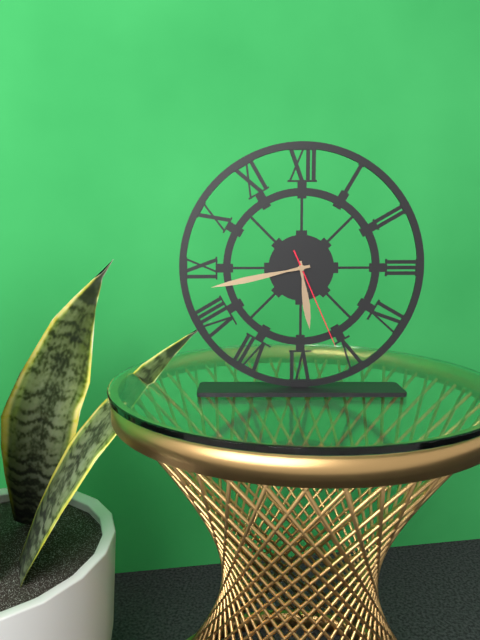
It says 5.43.26
